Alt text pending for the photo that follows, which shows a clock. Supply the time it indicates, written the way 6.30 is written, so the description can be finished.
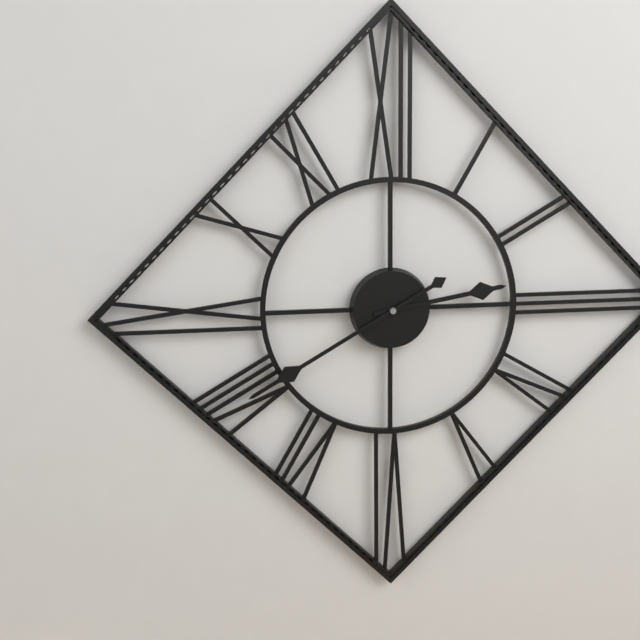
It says 2.40
